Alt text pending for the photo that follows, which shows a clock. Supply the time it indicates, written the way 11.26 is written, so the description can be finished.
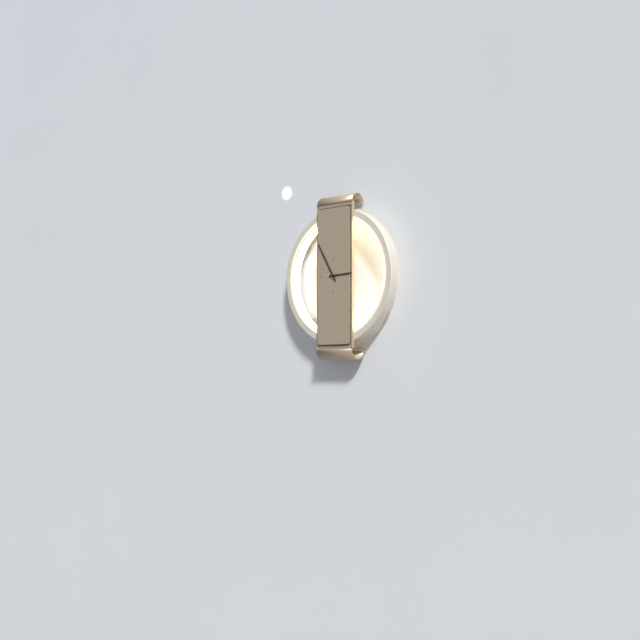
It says 2.55
